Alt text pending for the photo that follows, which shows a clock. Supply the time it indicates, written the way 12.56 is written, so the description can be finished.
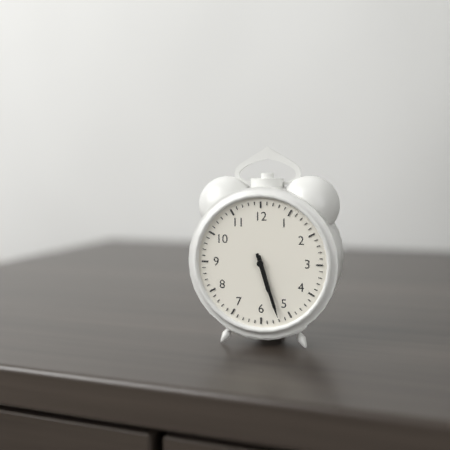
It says 5.27
